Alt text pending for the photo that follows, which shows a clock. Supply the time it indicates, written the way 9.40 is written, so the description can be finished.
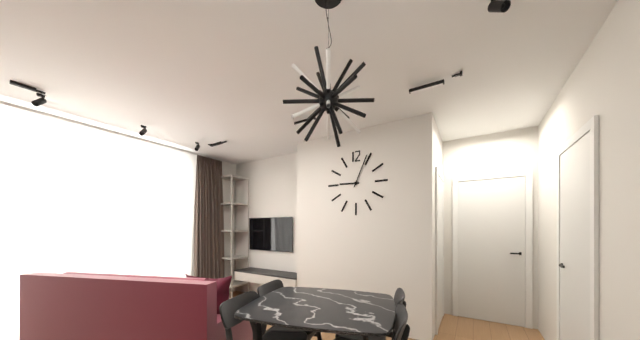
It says 9.04
